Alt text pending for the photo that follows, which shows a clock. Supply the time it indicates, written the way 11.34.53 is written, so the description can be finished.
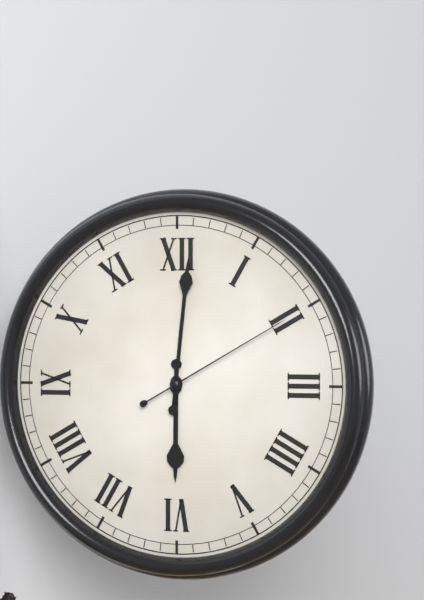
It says 6.01.10
